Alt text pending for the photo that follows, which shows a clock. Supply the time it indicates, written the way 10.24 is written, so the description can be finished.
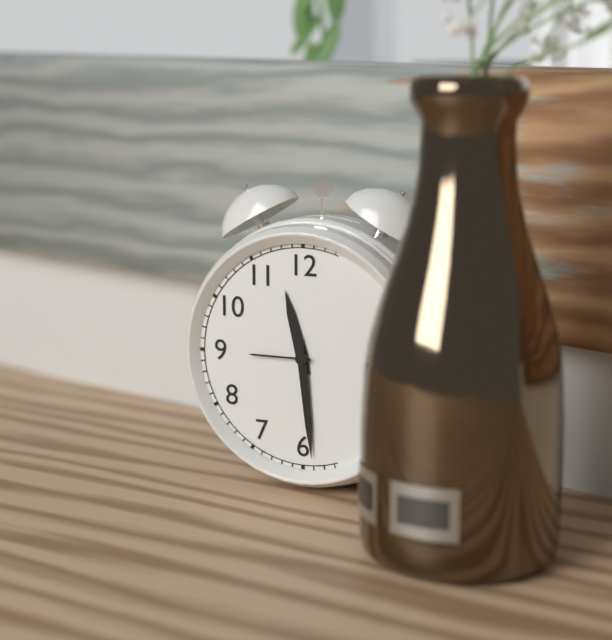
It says 11.29
